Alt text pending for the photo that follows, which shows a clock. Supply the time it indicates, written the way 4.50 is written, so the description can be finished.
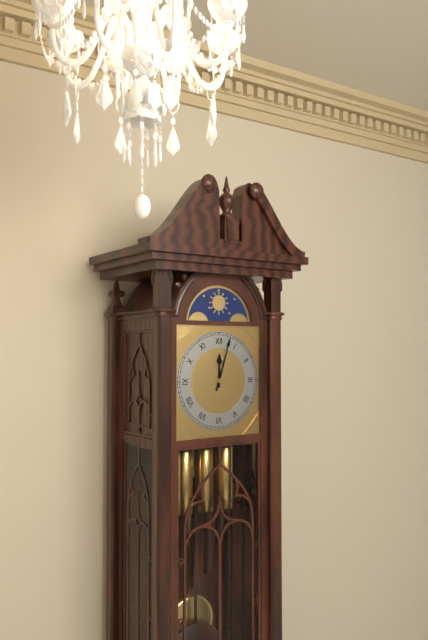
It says 12.03
